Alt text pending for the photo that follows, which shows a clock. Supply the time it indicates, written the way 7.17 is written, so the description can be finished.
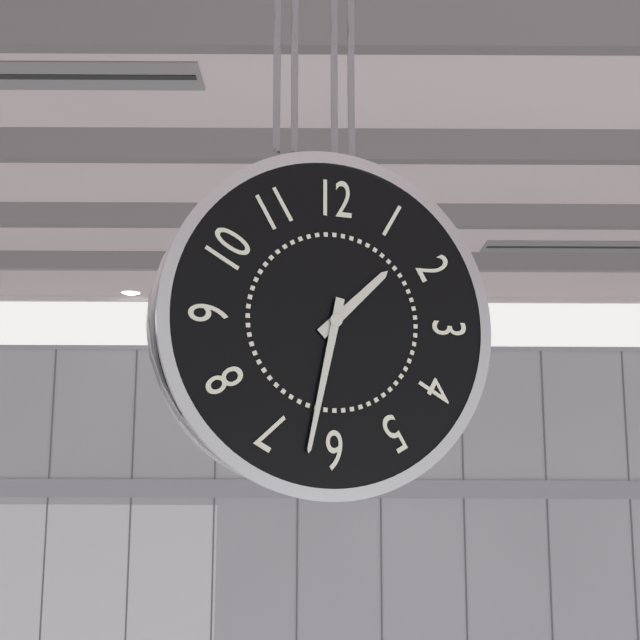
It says 1.32
